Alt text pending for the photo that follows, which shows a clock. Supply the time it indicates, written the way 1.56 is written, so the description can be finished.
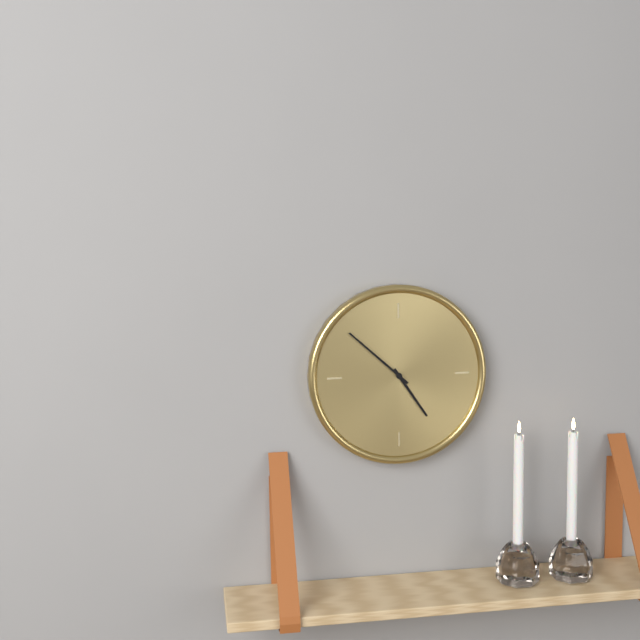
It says 4.52
